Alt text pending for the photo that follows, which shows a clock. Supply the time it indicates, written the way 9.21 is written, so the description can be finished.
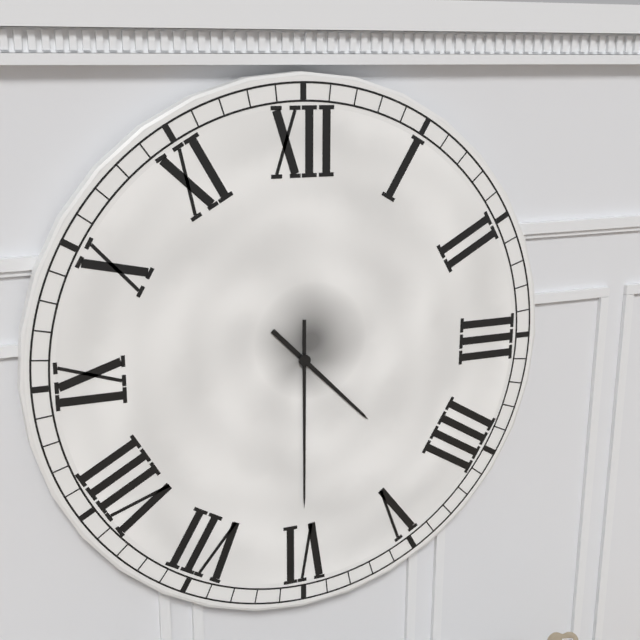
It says 4.30
